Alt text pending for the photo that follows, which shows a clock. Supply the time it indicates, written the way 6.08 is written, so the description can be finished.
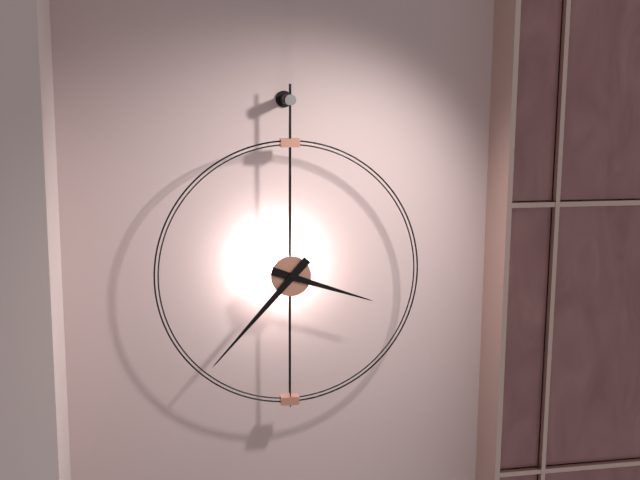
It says 3.37
